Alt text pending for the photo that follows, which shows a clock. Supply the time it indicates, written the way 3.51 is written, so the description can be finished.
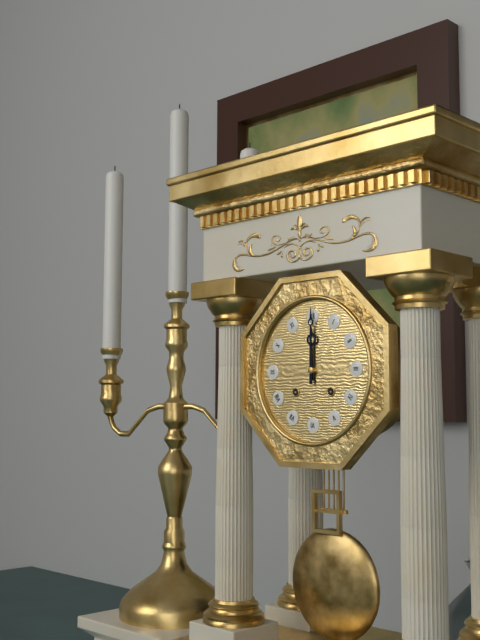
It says 12.00
